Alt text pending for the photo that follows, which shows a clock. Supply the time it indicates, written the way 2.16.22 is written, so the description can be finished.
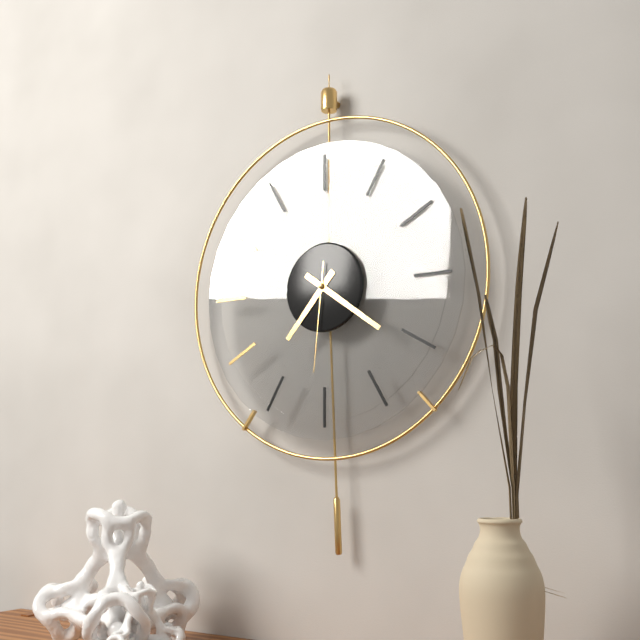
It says 7.21.31
